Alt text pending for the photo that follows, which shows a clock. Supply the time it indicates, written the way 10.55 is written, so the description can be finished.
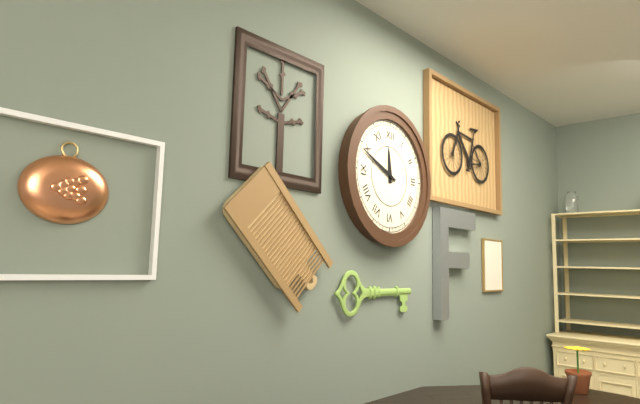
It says 11.49
